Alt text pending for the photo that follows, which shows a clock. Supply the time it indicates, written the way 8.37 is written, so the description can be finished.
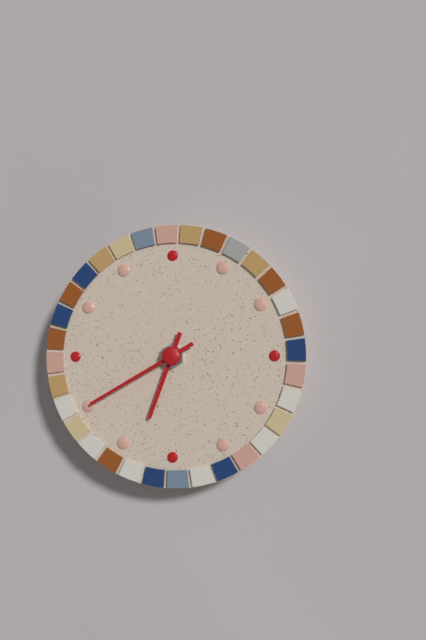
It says 6.40
